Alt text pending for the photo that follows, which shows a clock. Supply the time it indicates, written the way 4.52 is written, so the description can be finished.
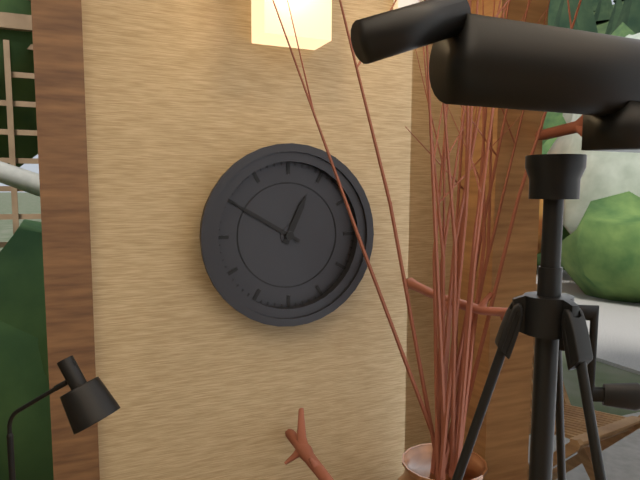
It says 12.50
